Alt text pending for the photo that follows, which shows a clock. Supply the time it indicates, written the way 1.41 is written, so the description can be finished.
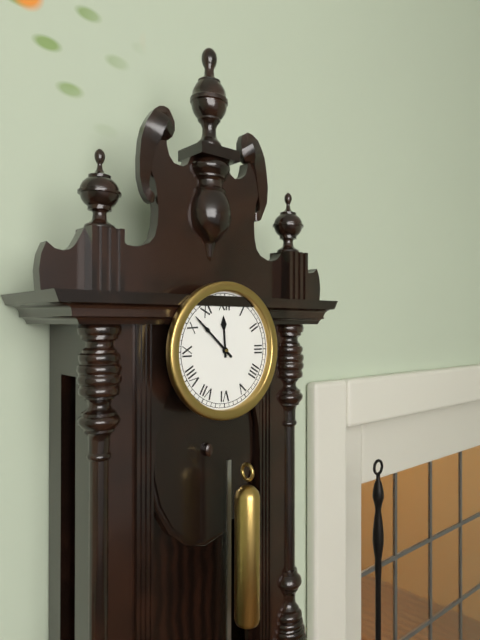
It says 11.52
